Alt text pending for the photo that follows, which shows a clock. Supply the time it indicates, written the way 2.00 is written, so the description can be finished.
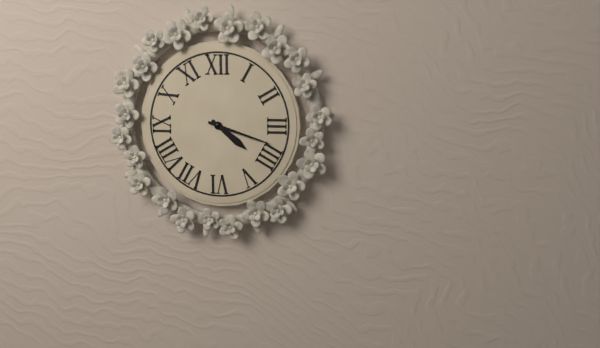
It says 4.18
